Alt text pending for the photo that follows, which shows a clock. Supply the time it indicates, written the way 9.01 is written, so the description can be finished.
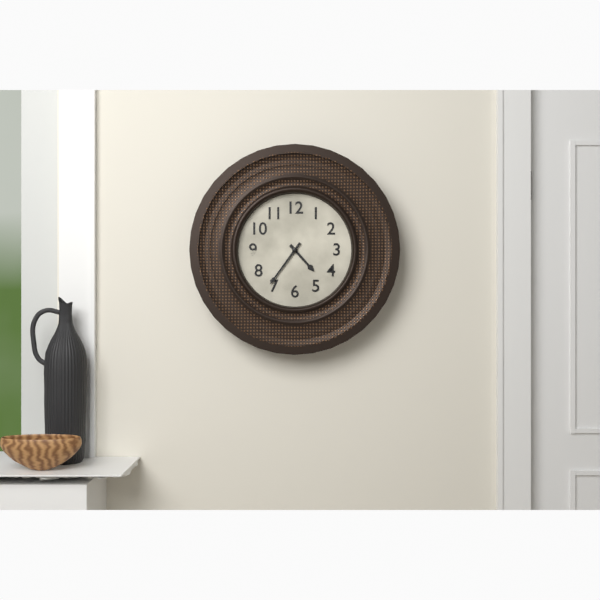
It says 4.36
